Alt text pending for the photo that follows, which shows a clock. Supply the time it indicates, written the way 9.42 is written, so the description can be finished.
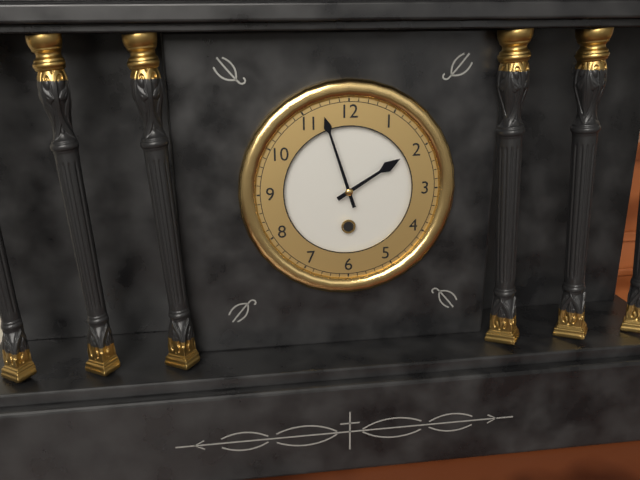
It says 1.57
